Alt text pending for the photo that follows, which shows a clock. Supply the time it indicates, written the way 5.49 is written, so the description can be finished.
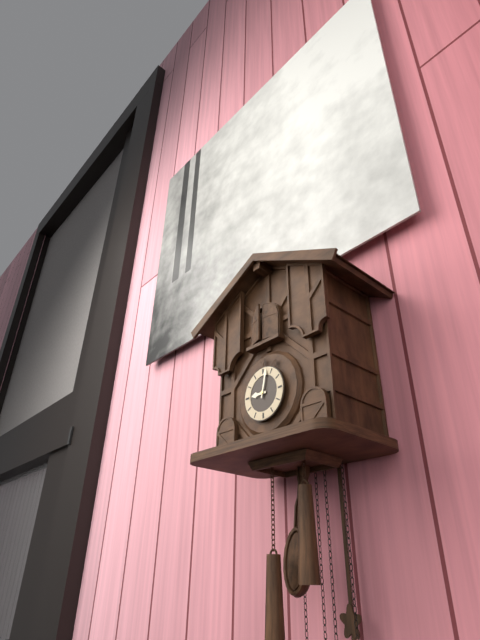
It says 9.02
